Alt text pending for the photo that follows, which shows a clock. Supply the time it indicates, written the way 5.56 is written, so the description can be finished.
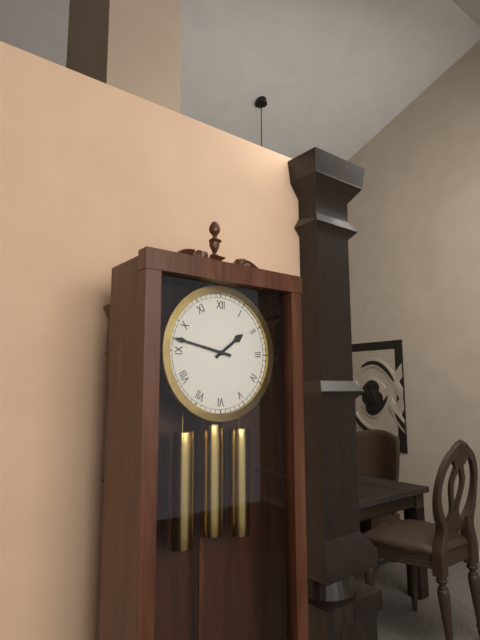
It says 1.47
